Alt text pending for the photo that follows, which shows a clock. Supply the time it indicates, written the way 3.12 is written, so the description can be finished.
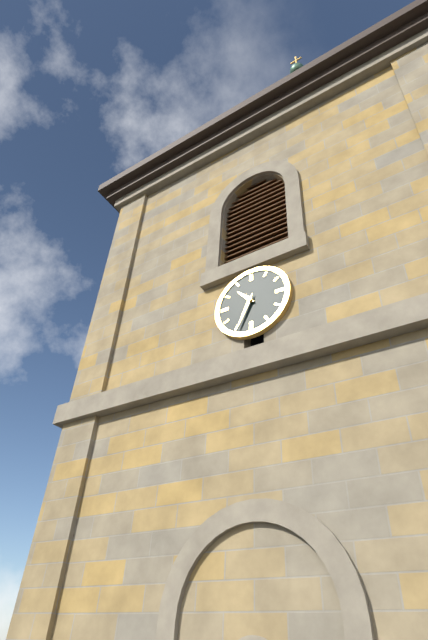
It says 10.34
